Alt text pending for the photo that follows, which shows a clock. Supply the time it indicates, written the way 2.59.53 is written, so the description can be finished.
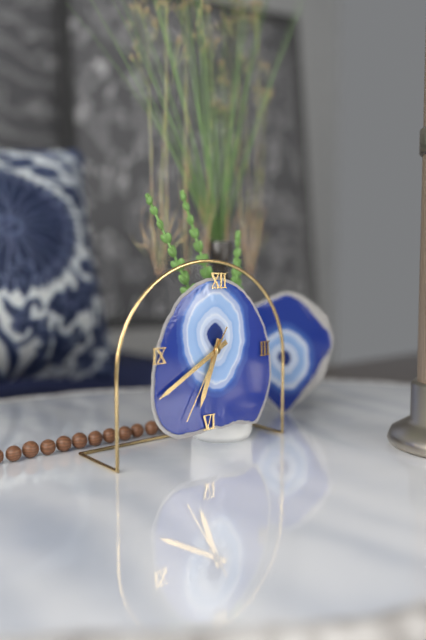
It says 6.40.35
